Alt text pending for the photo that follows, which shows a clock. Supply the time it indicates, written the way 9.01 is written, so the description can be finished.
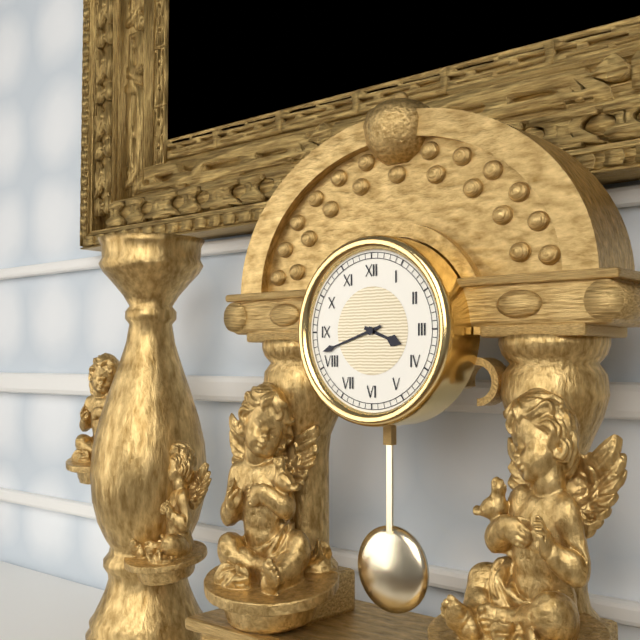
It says 3.42
